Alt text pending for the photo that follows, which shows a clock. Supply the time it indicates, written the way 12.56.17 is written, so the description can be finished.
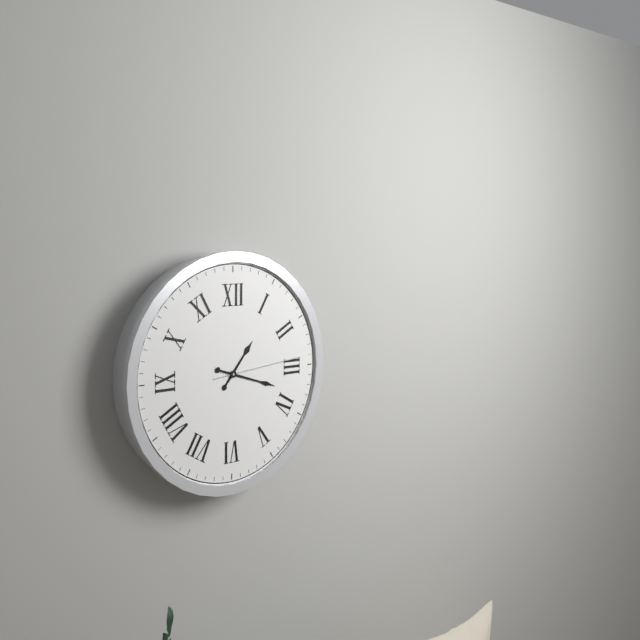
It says 1.18.14
